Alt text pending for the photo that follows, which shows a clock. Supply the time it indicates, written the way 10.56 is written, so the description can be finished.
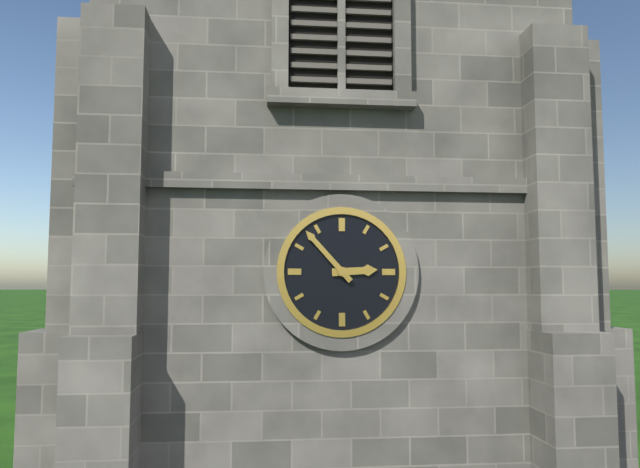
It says 2.53
